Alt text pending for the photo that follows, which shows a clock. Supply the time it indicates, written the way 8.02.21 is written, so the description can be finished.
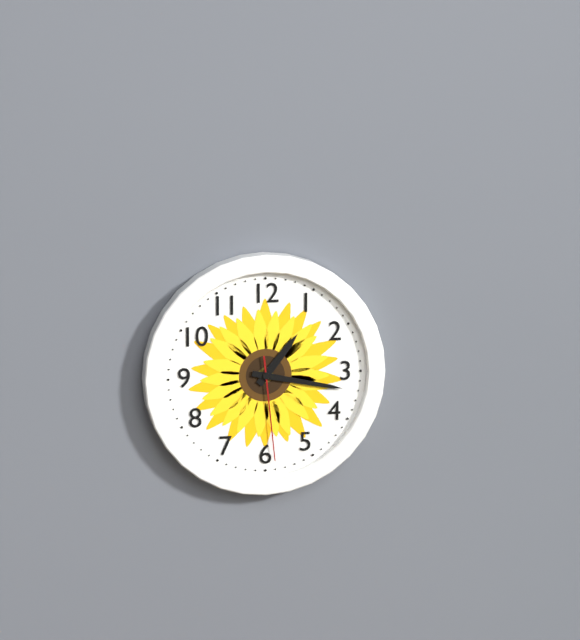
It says 1.17.29
